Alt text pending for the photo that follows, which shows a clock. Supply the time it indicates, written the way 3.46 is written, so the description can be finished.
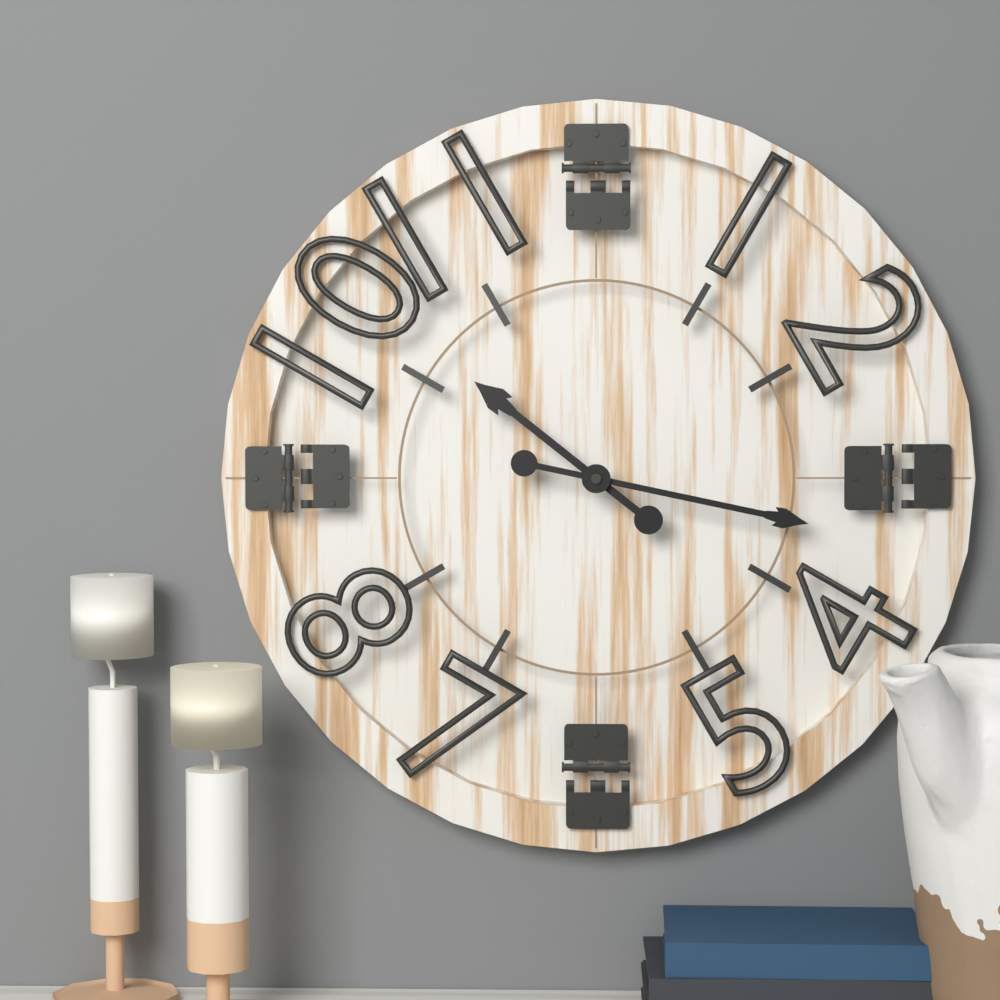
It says 10.17
